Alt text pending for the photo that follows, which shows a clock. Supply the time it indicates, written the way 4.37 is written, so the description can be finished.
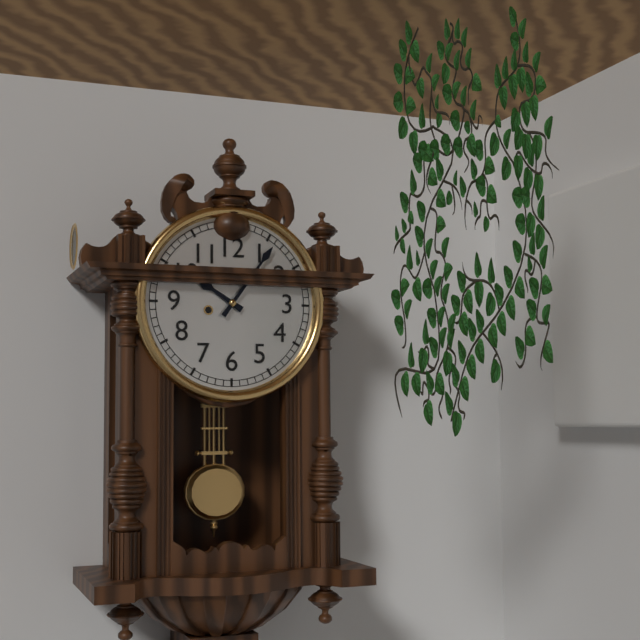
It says 10.06
